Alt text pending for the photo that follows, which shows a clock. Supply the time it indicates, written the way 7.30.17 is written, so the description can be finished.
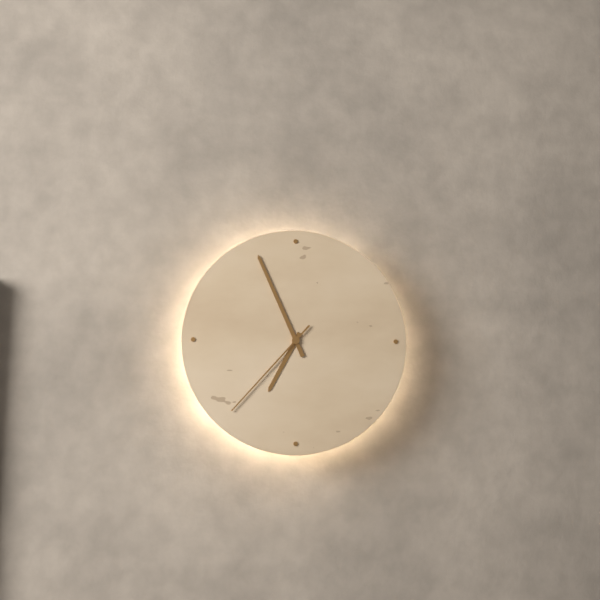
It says 6.56.37
